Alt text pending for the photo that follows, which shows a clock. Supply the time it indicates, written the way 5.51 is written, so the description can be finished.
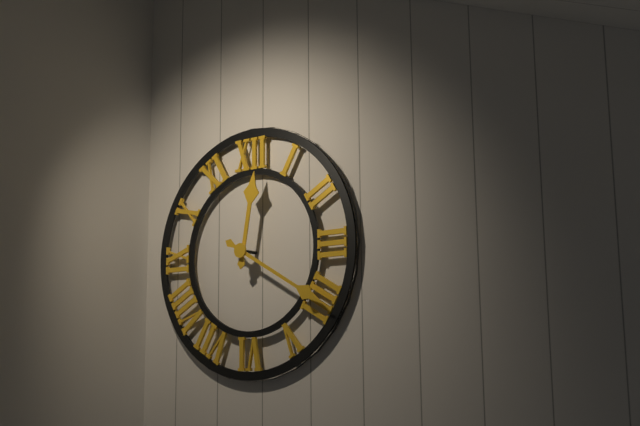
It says 12.20
